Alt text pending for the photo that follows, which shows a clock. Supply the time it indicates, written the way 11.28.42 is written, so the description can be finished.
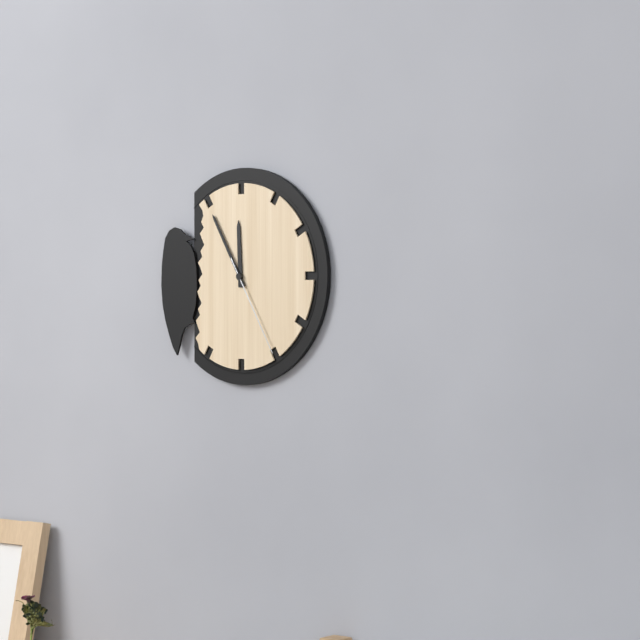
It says 11.55.25
